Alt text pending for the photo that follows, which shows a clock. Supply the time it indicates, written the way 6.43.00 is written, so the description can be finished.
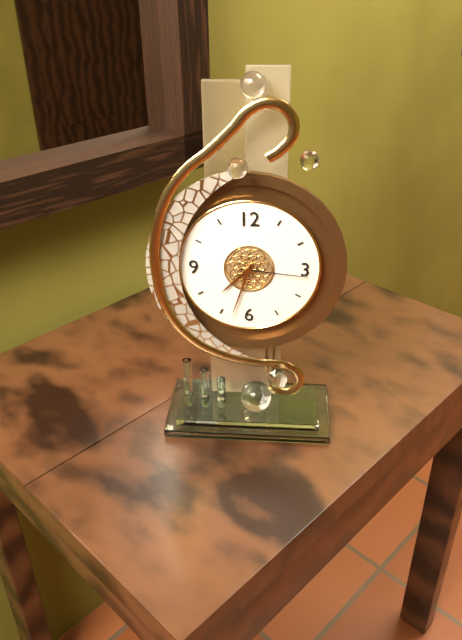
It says 7.33.16
